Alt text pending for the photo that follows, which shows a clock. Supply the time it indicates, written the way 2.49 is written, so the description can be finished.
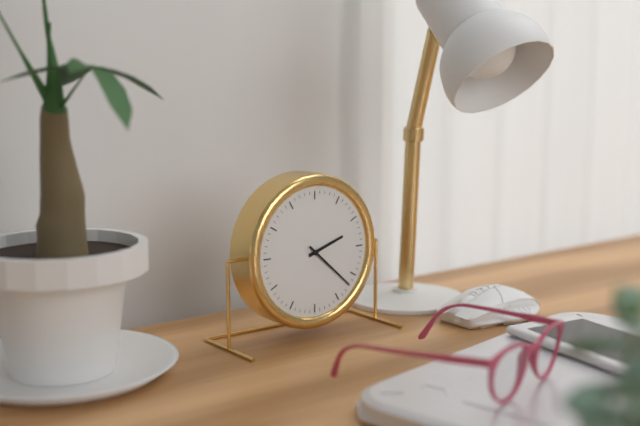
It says 2.22
